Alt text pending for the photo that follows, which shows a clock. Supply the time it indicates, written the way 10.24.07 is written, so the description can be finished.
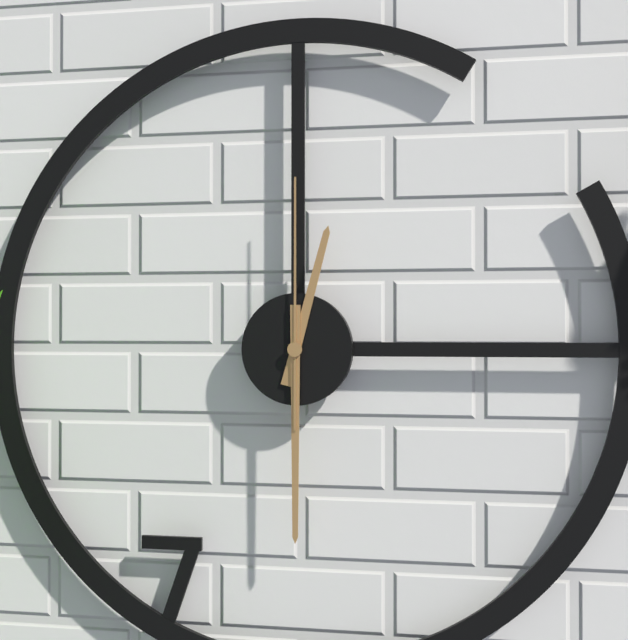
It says 12.30.00
